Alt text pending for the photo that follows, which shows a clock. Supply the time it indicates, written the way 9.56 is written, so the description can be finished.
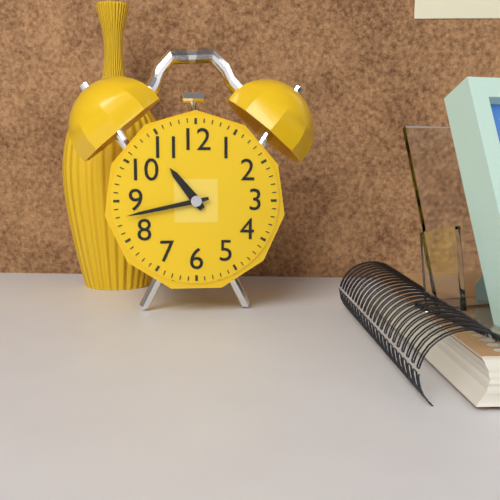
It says 10.43
